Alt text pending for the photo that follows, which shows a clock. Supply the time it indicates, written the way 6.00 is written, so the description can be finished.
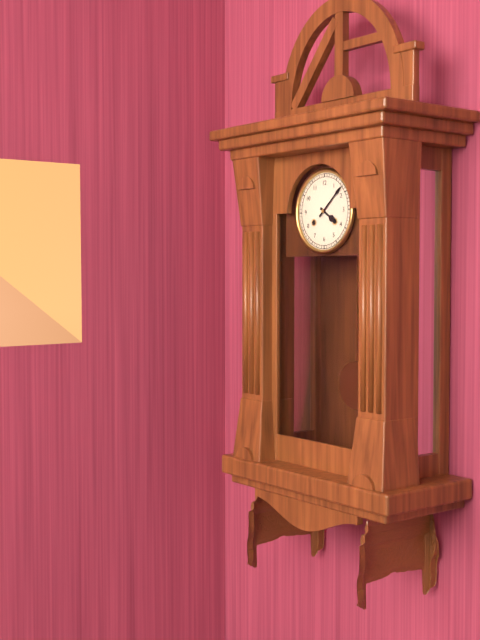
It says 4.08
